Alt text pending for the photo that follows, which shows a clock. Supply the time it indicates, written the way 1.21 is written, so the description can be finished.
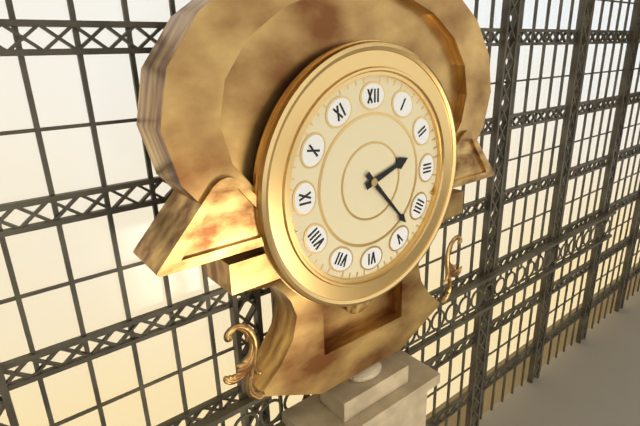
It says 2.23
